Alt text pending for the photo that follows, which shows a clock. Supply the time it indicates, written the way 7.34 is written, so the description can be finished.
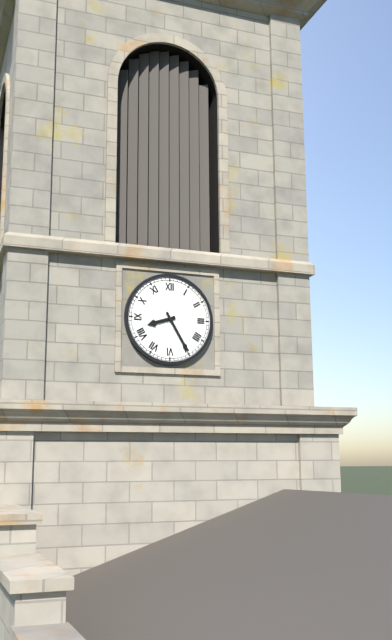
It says 8.25
